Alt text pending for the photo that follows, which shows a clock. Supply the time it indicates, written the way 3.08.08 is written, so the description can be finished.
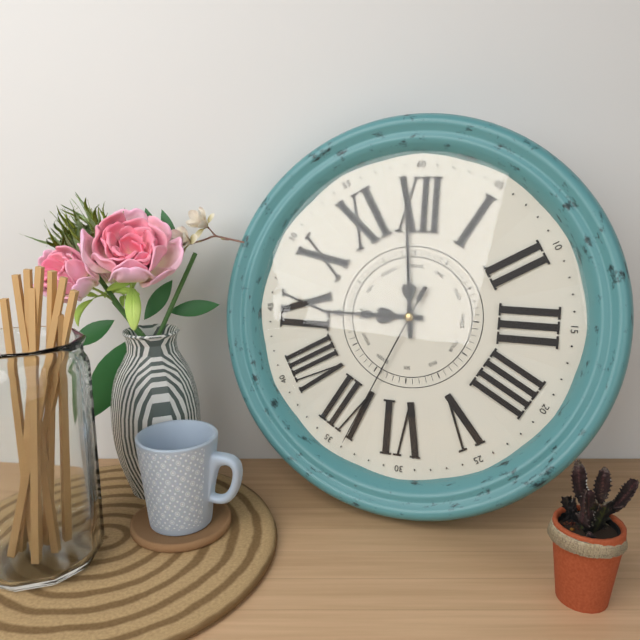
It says 8.59.34
